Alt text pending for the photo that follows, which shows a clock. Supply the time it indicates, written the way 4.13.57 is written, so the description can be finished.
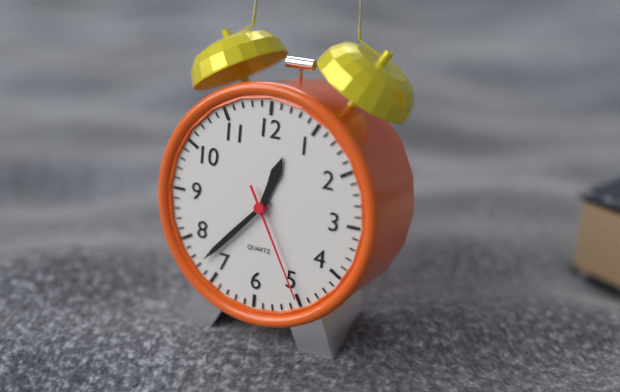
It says 12.37.25
